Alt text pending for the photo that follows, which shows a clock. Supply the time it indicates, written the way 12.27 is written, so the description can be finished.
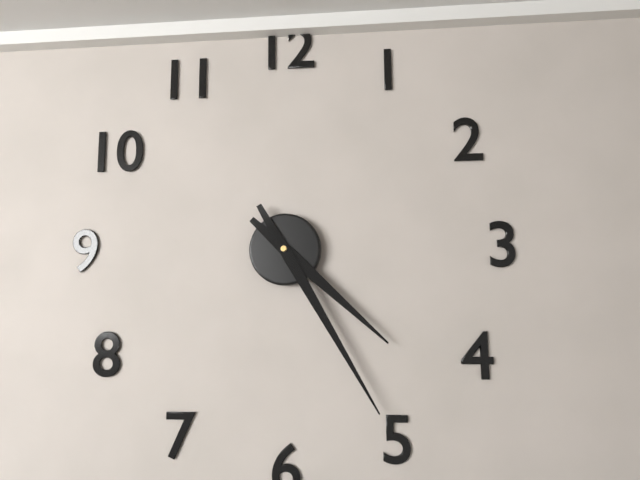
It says 4.25
